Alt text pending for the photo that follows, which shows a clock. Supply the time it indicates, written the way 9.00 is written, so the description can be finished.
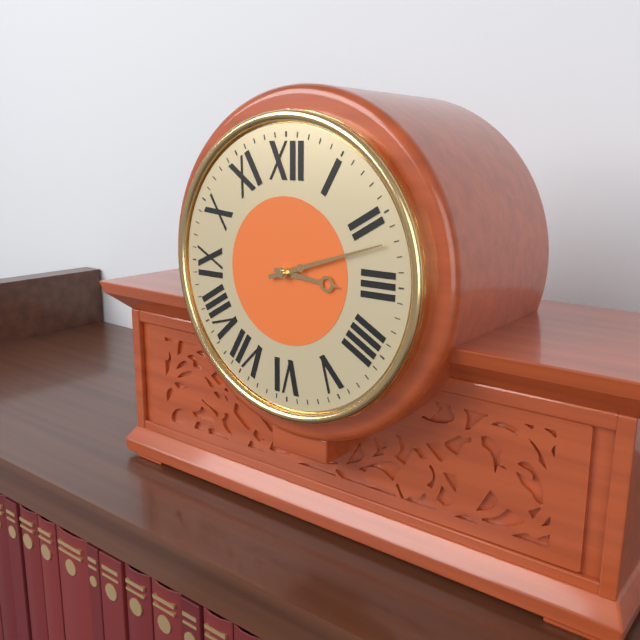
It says 3.12
